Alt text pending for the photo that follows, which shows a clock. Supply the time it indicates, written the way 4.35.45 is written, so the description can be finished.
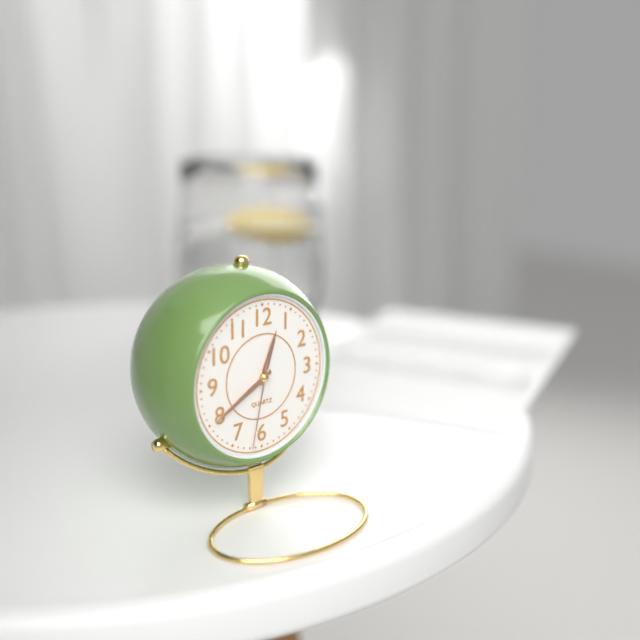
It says 12.40.32
